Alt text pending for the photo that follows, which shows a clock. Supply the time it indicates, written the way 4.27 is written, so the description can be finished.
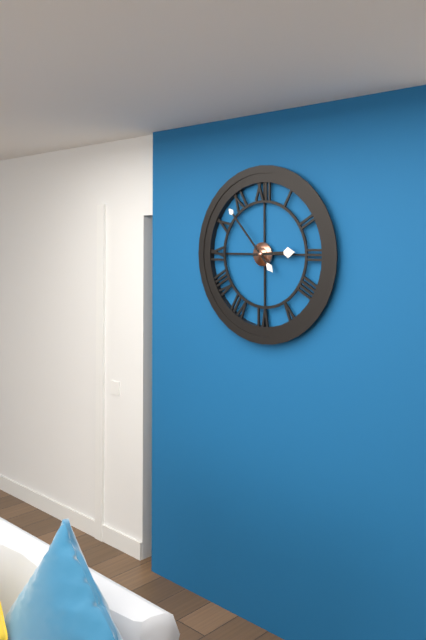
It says 2.53
